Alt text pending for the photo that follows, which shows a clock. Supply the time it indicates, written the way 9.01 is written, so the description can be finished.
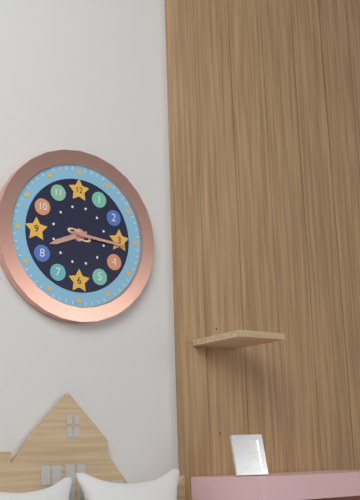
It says 8.16
